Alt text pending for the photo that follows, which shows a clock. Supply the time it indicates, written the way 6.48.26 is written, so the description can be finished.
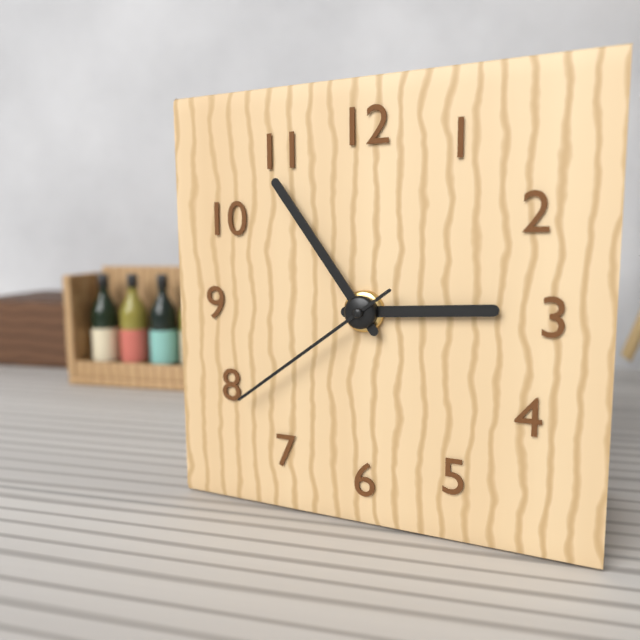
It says 2.54.39
